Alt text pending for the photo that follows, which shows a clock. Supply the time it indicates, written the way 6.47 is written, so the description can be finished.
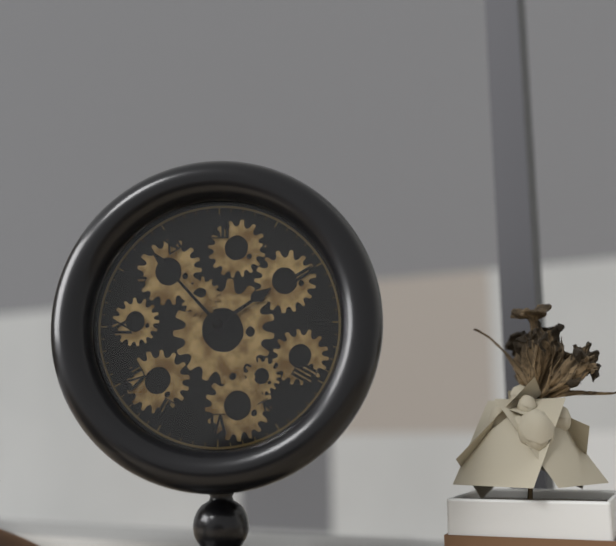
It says 1.53
